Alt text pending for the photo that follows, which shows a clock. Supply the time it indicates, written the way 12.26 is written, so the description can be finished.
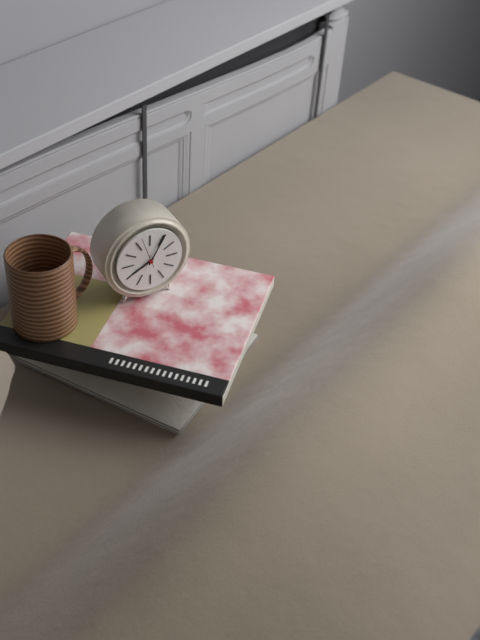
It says 8.05
